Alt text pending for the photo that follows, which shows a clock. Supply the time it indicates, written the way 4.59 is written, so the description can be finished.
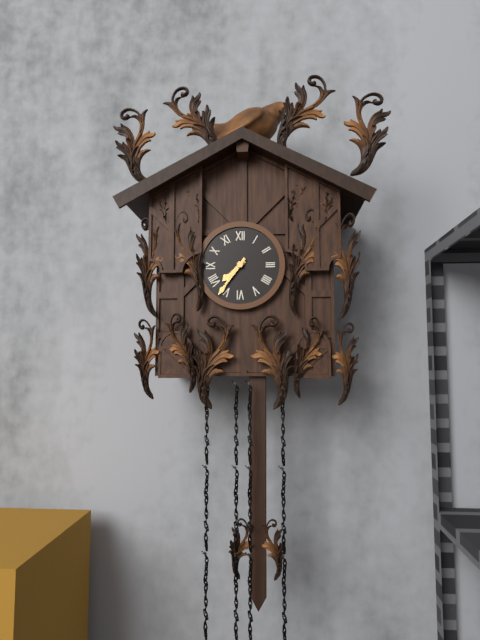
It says 7.36
